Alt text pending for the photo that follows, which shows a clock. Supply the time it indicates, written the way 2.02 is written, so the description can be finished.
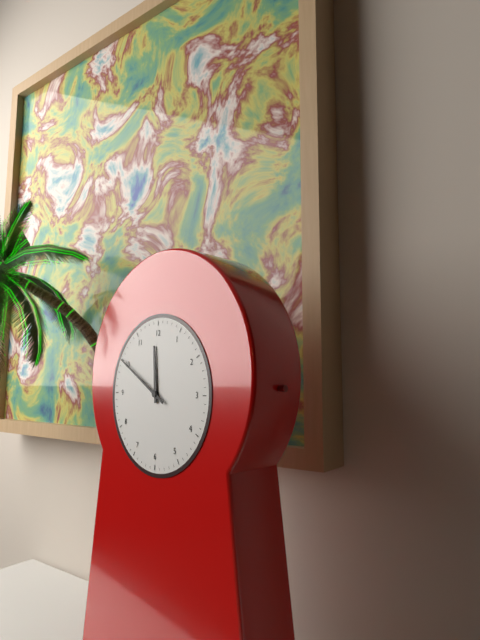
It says 11.50
